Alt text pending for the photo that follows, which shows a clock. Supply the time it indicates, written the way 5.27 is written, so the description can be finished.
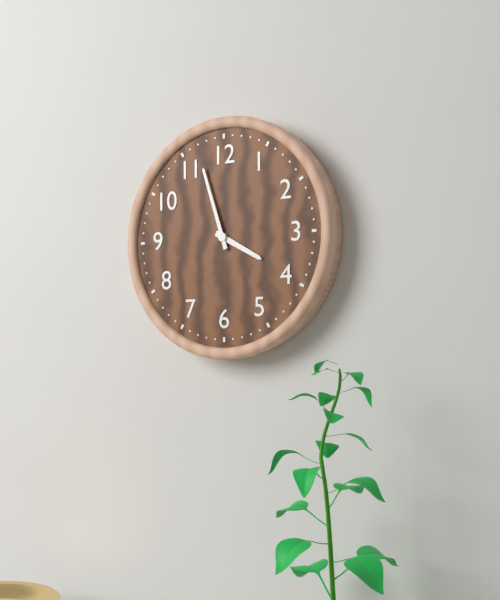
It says 3.57
